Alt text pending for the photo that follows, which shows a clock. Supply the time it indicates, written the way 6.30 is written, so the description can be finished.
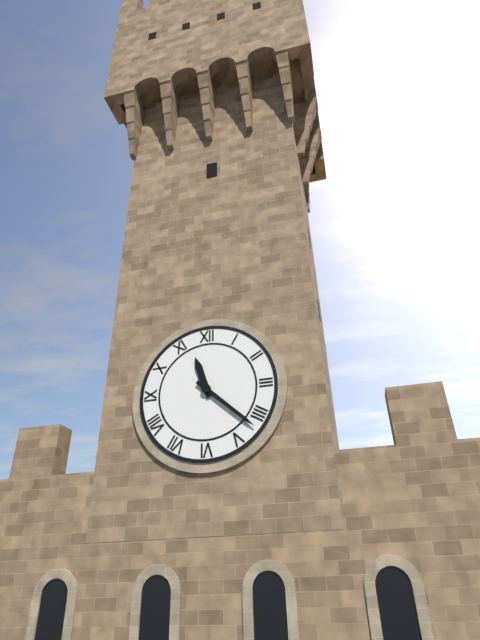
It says 11.22
